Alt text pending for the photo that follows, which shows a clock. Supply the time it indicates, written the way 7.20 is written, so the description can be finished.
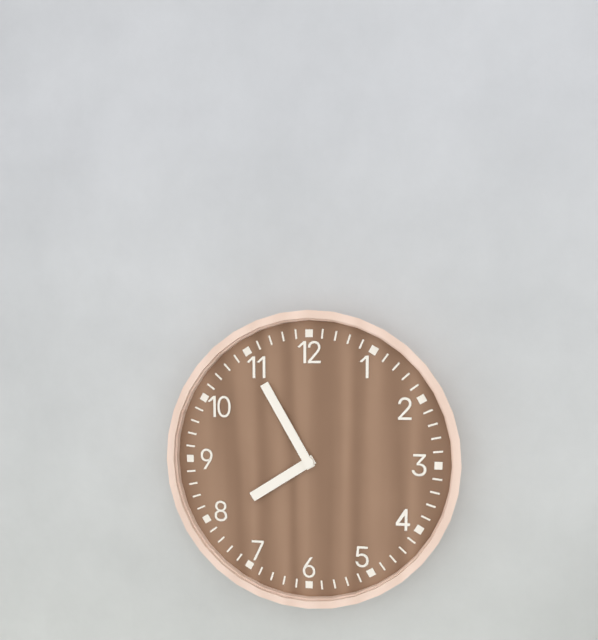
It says 7.55
